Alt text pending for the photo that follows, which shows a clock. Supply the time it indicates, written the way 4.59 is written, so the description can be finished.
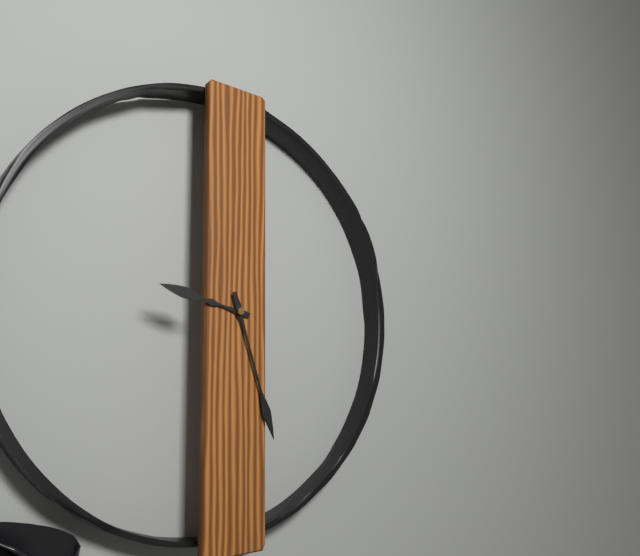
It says 9.27
